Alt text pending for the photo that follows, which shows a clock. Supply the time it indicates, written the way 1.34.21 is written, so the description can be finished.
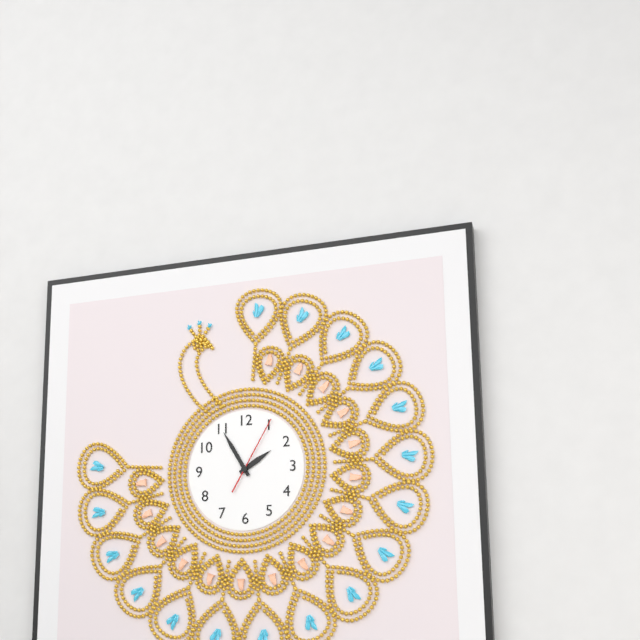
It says 1.55.05
